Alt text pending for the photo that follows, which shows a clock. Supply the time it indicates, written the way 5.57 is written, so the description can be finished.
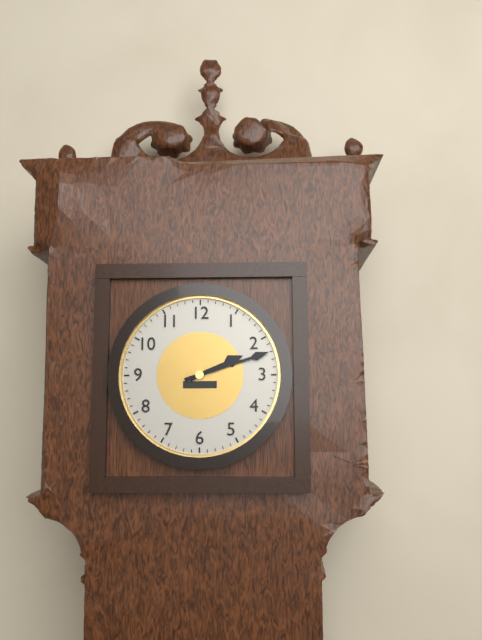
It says 2.12
